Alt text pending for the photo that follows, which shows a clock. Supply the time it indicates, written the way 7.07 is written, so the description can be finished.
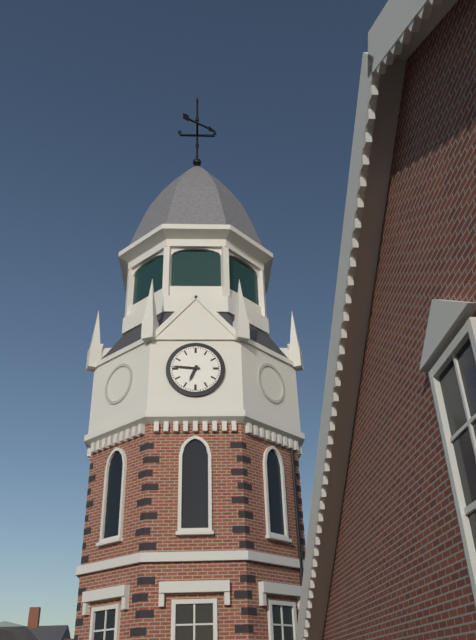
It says 6.46
